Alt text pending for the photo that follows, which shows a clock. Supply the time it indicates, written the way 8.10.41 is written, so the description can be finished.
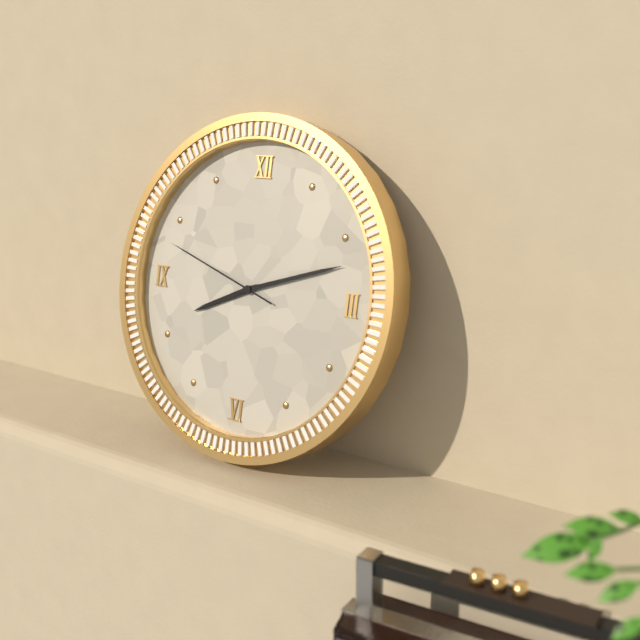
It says 8.12.48
